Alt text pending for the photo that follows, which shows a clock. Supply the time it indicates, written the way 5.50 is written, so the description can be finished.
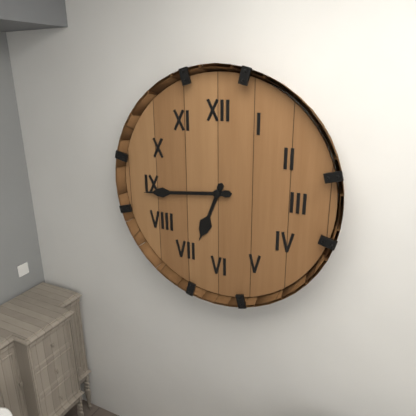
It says 6.44
